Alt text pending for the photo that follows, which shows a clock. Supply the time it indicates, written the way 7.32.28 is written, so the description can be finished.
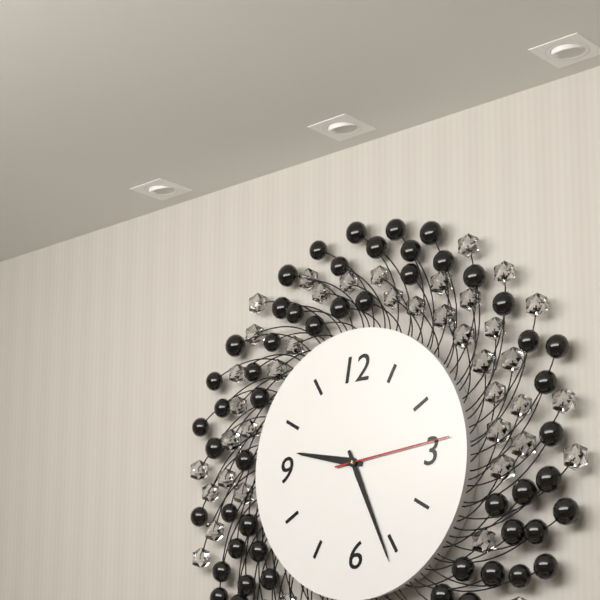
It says 9.26.14
